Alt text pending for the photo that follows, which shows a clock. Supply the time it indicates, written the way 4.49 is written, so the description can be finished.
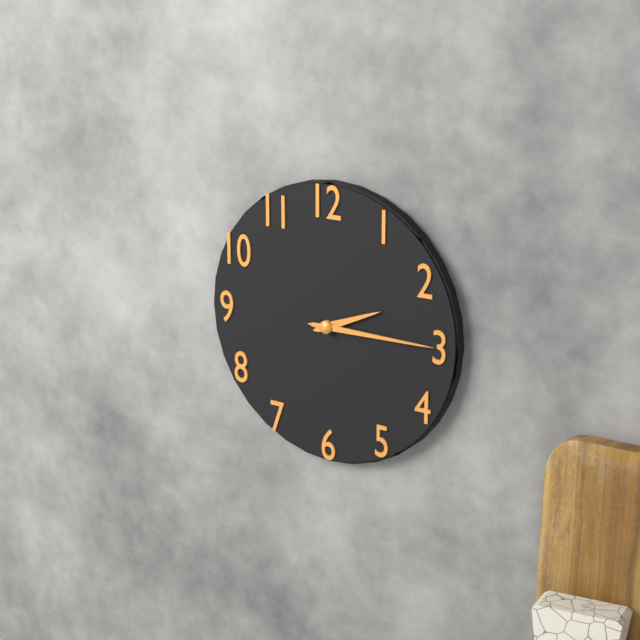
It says 2.15
